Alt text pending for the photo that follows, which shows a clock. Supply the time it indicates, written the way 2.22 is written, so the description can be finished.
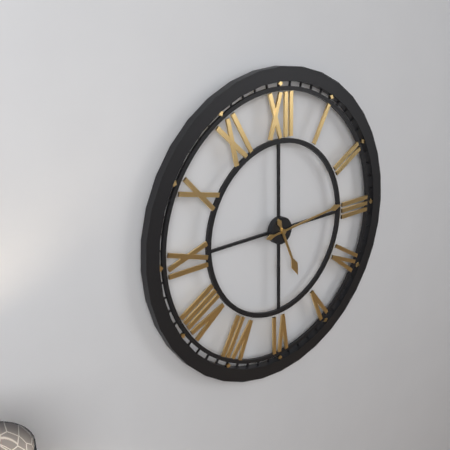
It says 5.14
